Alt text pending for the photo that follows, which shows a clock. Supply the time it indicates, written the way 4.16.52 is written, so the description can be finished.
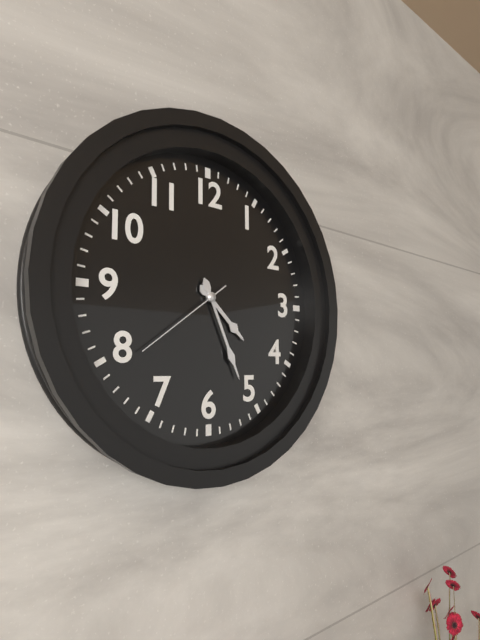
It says 4.26.39
